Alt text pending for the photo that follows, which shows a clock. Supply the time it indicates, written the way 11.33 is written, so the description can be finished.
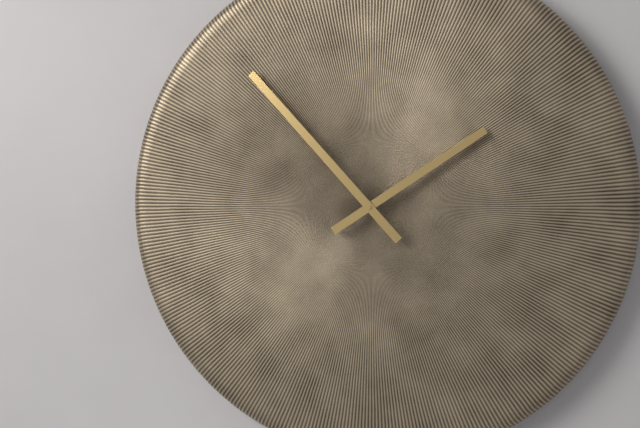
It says 1.53
